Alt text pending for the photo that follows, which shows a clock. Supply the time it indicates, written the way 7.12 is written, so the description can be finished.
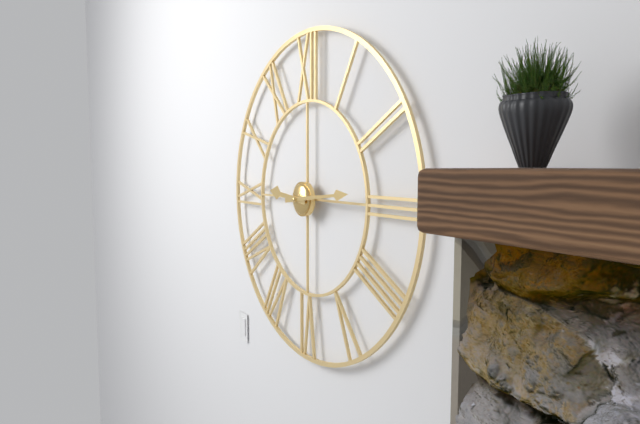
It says 9.14
